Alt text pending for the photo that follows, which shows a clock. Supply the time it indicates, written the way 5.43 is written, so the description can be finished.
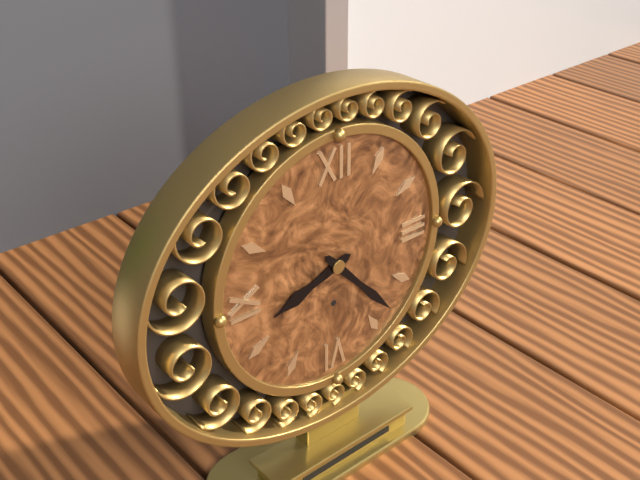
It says 8.23
